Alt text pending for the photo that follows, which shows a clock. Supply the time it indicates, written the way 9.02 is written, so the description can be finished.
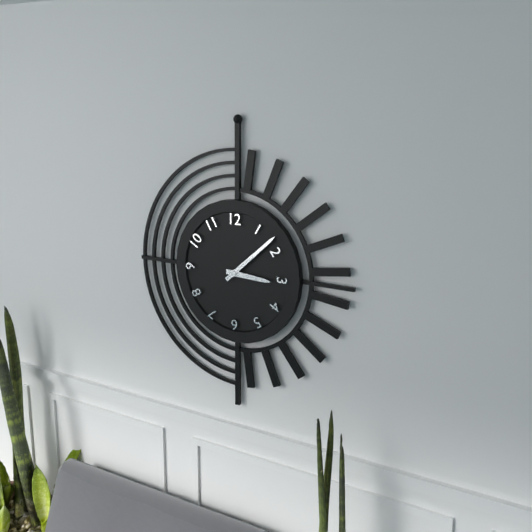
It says 3.08
